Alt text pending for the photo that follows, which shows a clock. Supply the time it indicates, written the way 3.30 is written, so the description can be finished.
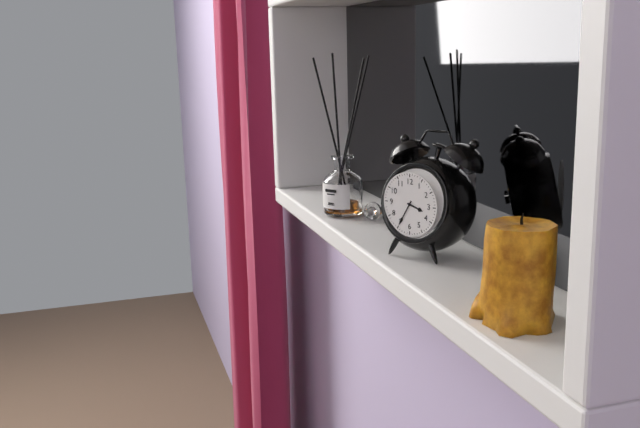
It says 3.35
